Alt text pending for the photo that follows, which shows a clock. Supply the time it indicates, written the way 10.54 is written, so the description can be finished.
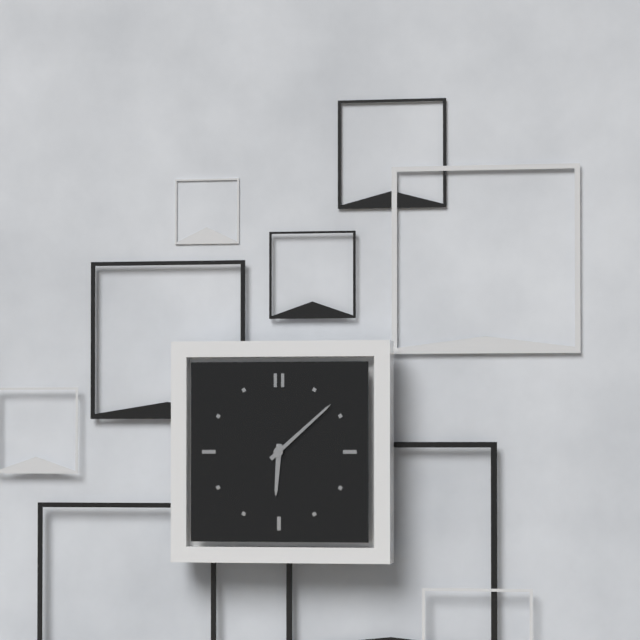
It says 6.08
